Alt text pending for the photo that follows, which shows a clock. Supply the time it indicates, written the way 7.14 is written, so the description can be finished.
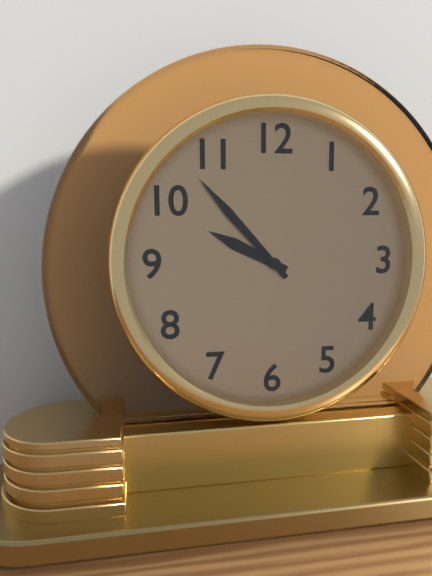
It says 9.53
